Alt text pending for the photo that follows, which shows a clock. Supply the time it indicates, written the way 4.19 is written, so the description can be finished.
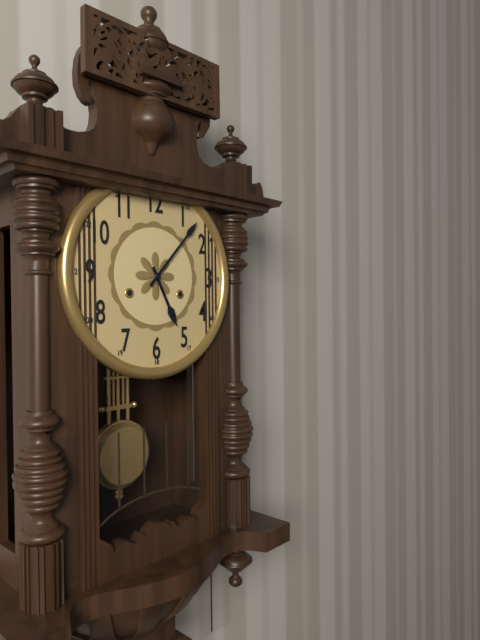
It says 5.07
